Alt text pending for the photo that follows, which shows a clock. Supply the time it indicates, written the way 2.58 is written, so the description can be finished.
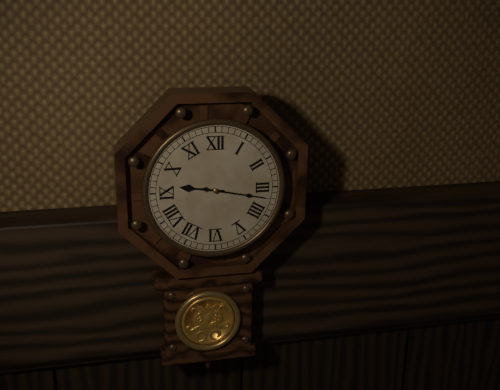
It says 9.17
